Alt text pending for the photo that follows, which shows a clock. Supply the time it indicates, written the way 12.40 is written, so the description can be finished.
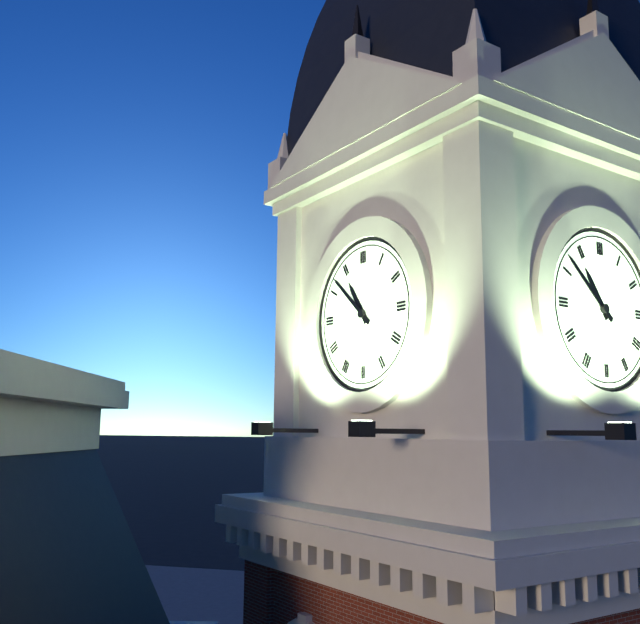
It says 10.52
